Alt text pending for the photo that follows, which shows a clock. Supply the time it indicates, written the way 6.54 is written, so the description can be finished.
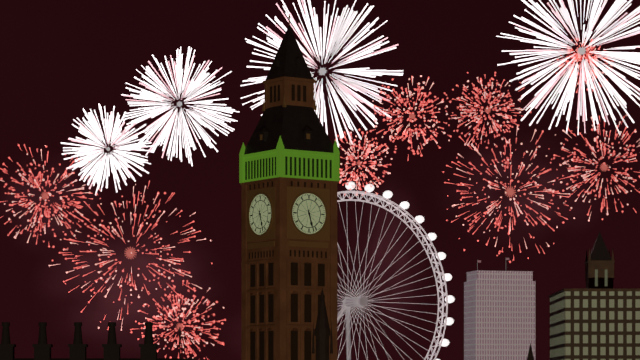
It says 5.27
